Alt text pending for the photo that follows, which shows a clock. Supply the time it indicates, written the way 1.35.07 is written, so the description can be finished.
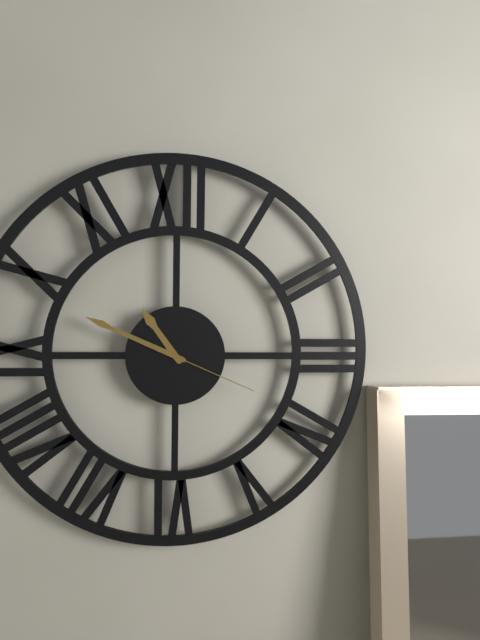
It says 10.49.19
